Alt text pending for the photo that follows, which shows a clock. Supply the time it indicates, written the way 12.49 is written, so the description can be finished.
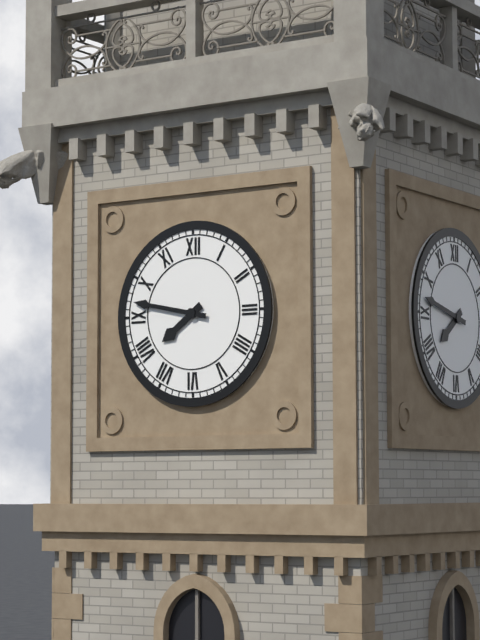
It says 7.47
